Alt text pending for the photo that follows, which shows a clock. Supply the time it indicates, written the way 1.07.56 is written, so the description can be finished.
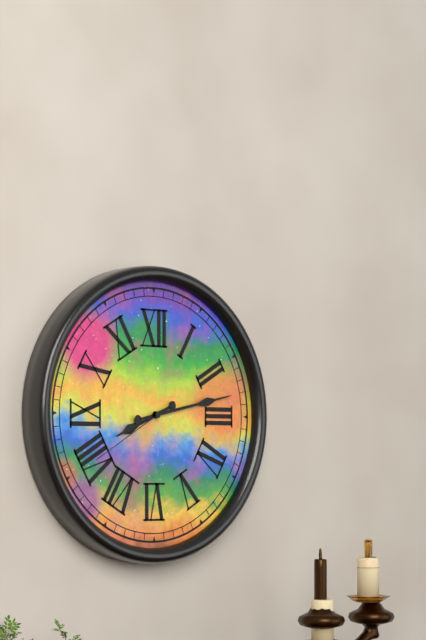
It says 8.13.40
